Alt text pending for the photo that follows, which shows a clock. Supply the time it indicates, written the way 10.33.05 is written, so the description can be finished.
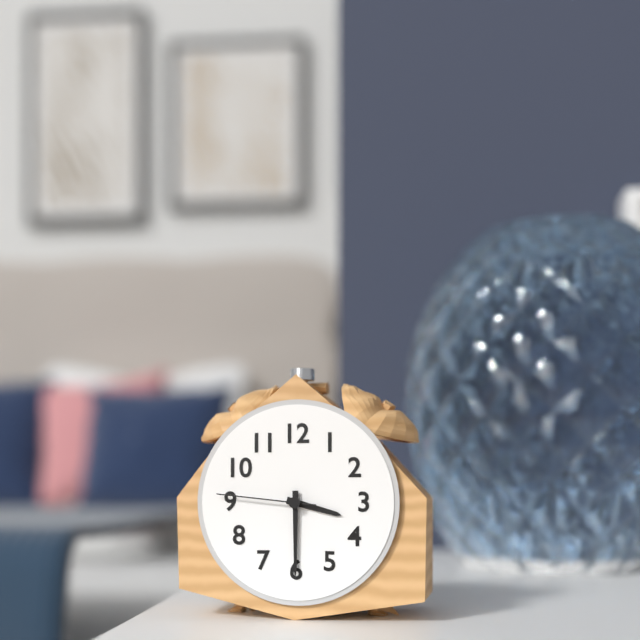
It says 3.30.46
